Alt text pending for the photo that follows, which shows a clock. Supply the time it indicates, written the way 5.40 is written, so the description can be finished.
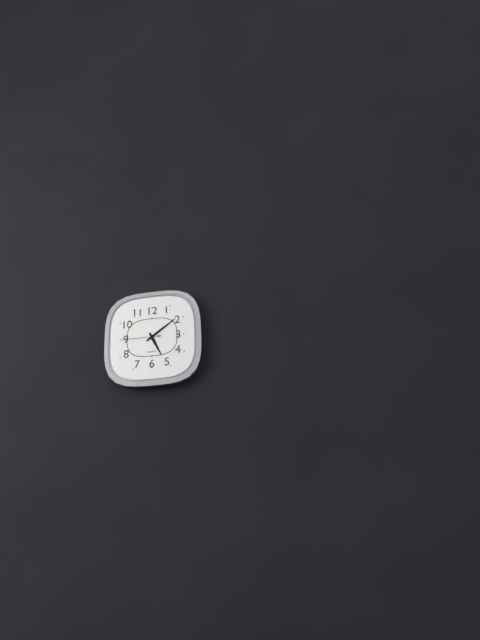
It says 5.09
